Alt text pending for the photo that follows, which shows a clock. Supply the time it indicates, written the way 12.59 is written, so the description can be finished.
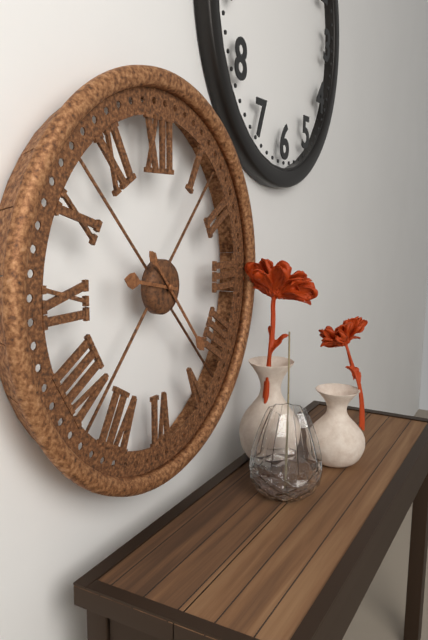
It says 9.23
